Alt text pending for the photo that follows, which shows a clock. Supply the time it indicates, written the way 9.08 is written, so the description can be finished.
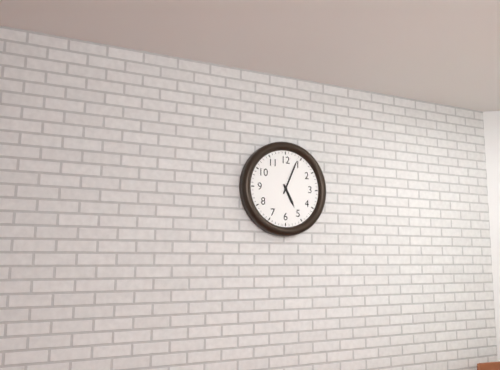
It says 5.04
